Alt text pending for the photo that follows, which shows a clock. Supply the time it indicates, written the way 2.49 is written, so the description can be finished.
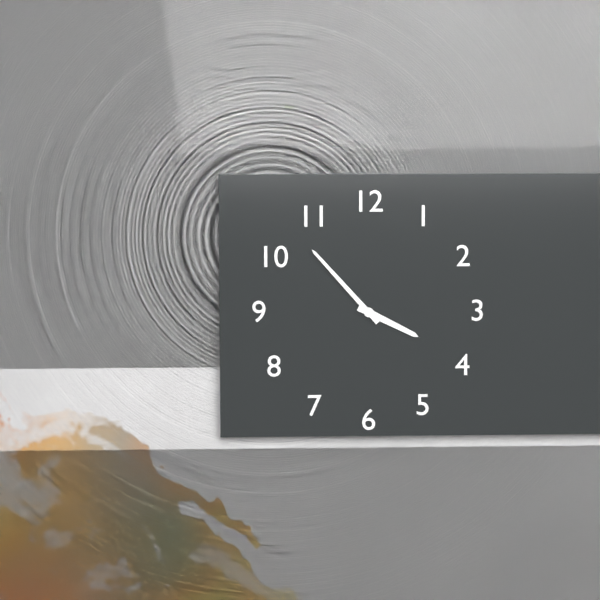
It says 3.53
